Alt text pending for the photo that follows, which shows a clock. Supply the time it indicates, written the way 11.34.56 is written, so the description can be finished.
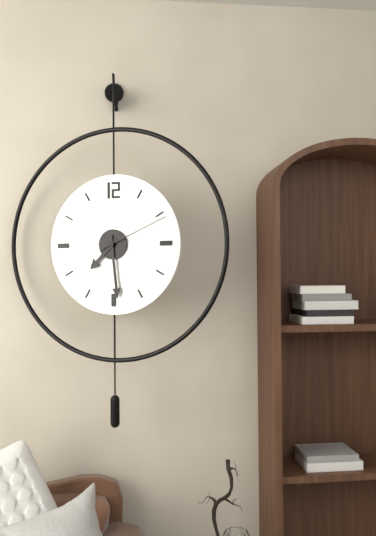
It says 7.29.11
